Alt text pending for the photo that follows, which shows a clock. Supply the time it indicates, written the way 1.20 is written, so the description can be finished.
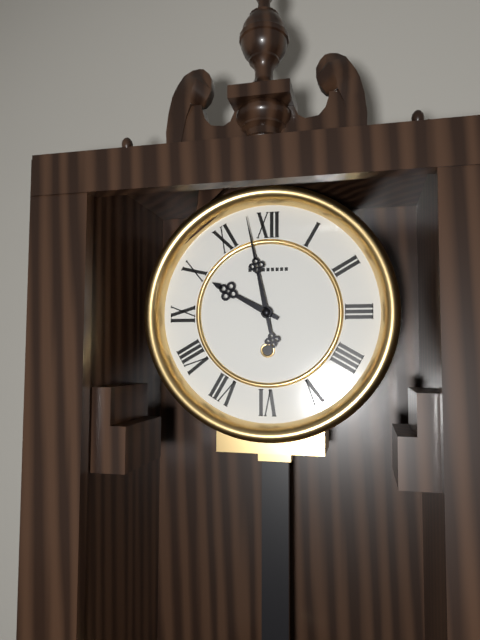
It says 9.58
